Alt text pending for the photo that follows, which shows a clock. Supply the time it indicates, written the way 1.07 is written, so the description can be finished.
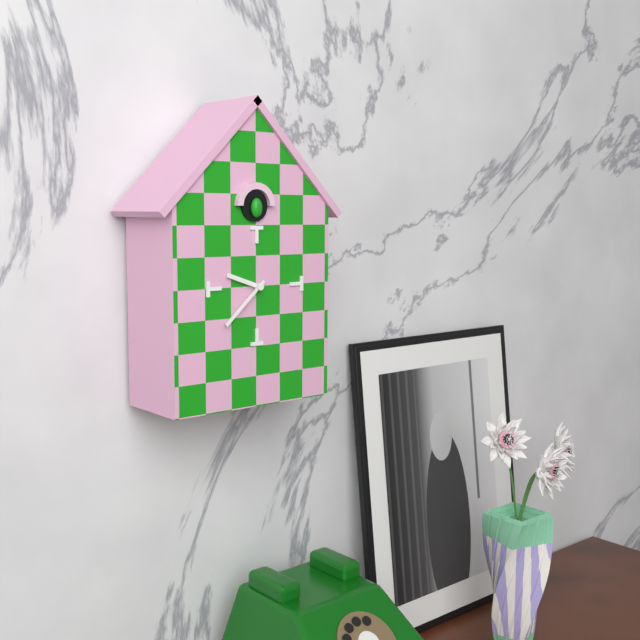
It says 9.38
